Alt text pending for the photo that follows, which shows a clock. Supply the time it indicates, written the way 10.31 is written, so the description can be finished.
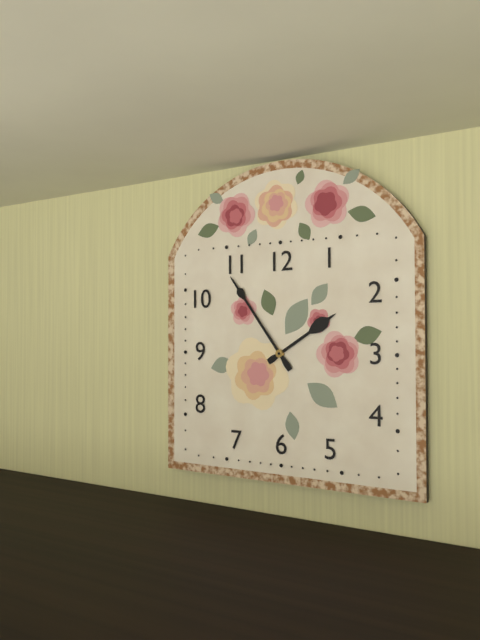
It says 1.54
